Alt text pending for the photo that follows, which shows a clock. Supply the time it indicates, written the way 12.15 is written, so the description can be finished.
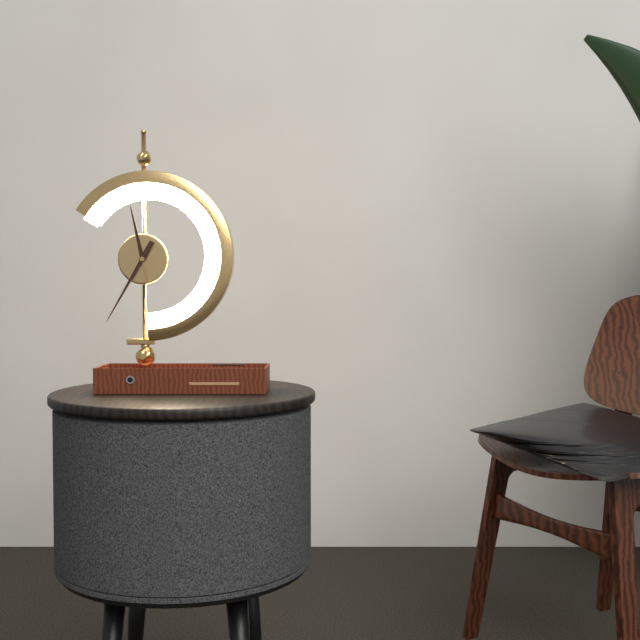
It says 11.35
